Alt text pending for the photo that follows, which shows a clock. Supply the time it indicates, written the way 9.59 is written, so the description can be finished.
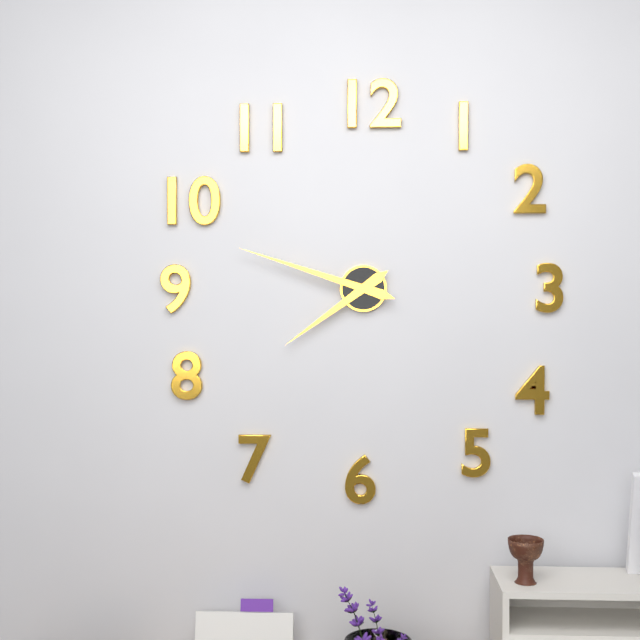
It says 7.48
